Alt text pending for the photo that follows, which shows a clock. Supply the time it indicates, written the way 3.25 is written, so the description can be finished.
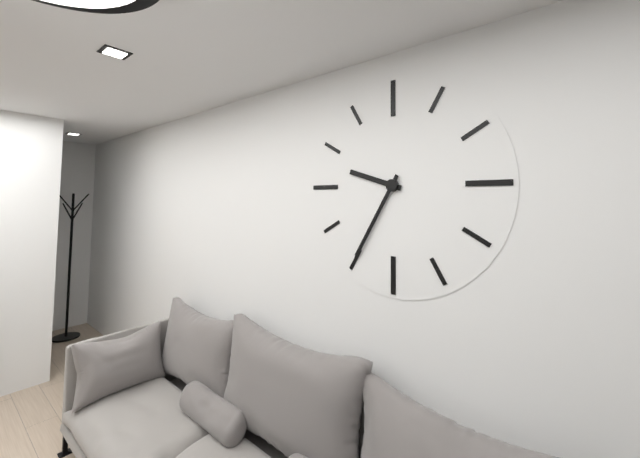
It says 9.35
